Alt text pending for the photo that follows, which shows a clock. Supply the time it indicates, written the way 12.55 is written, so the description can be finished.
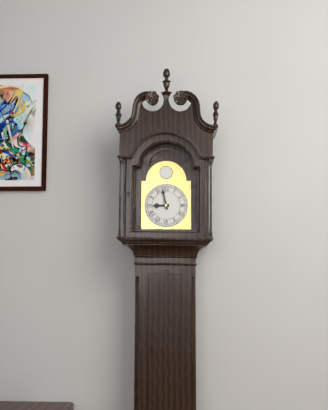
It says 8.58
